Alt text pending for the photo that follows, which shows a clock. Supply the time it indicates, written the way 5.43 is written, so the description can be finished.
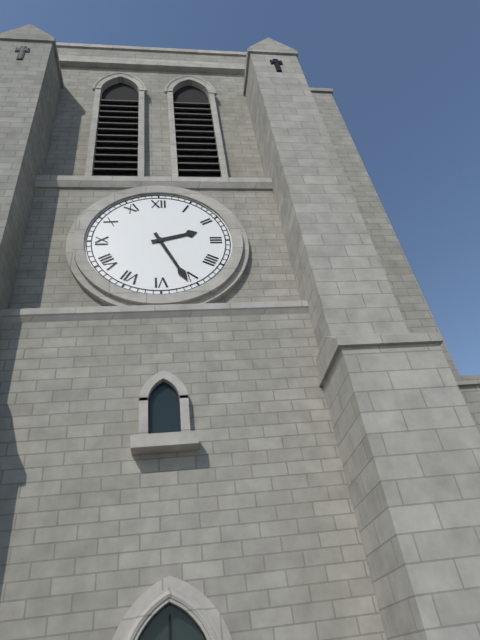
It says 2.26
